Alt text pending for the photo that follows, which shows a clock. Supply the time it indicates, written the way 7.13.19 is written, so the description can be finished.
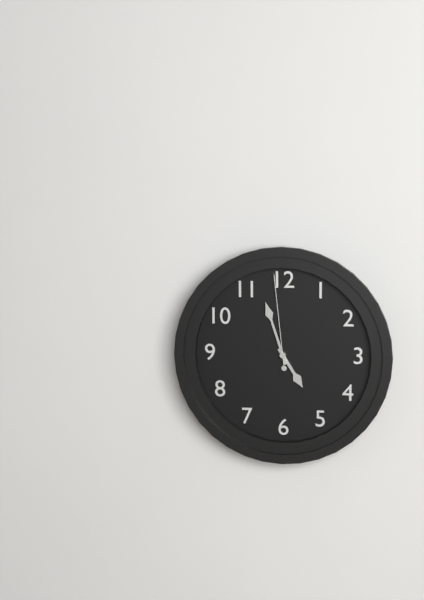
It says 4.57.59
